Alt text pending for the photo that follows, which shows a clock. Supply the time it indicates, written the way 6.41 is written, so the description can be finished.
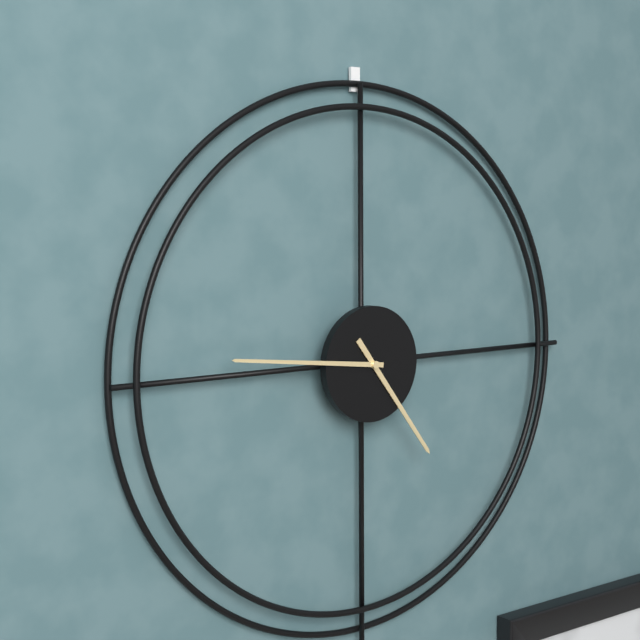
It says 4.46
